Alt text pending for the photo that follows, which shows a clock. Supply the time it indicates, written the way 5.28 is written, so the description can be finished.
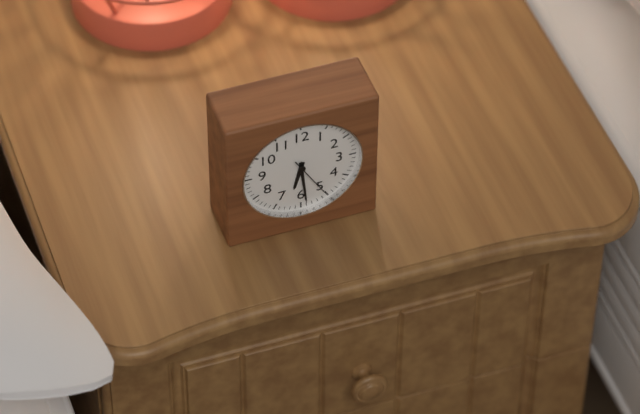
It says 6.29
